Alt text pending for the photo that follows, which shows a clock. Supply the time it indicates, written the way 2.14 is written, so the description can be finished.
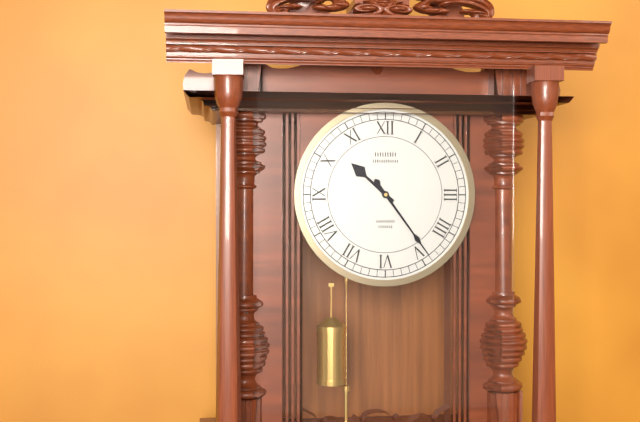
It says 10.24
